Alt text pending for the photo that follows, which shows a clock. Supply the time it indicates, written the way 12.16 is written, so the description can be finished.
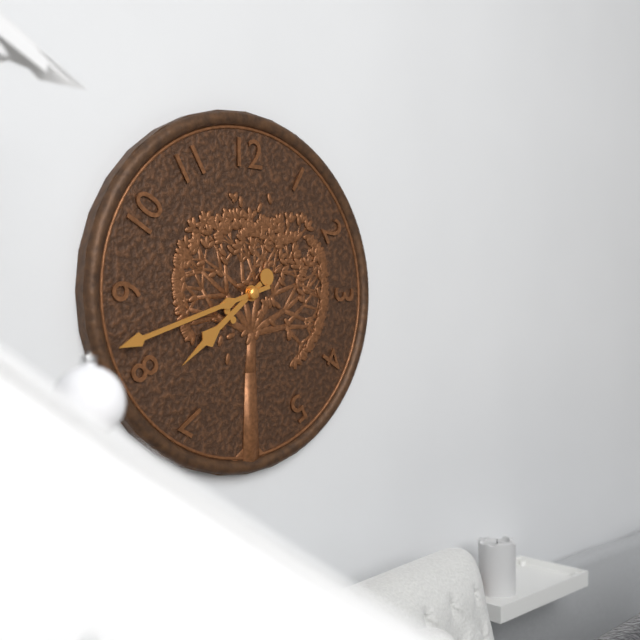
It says 7.42
